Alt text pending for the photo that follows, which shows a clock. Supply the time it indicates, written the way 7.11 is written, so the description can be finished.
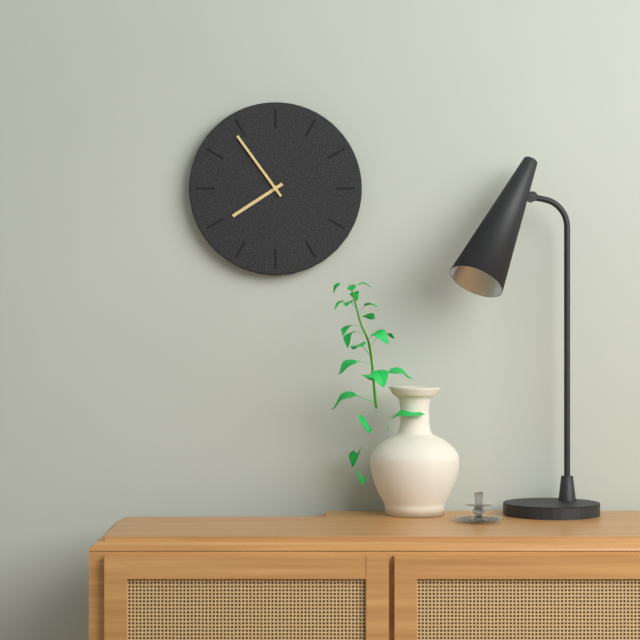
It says 7.54
